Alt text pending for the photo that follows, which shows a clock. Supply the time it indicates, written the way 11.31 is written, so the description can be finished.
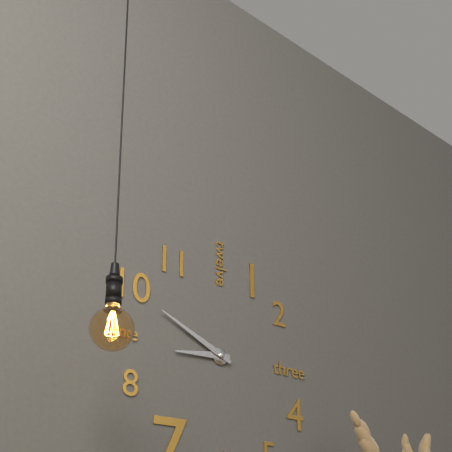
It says 8.49
